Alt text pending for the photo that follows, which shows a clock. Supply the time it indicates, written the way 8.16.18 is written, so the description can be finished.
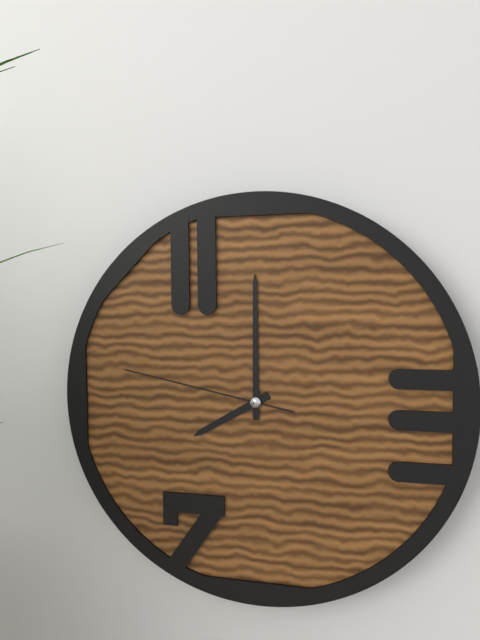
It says 8.00.47
